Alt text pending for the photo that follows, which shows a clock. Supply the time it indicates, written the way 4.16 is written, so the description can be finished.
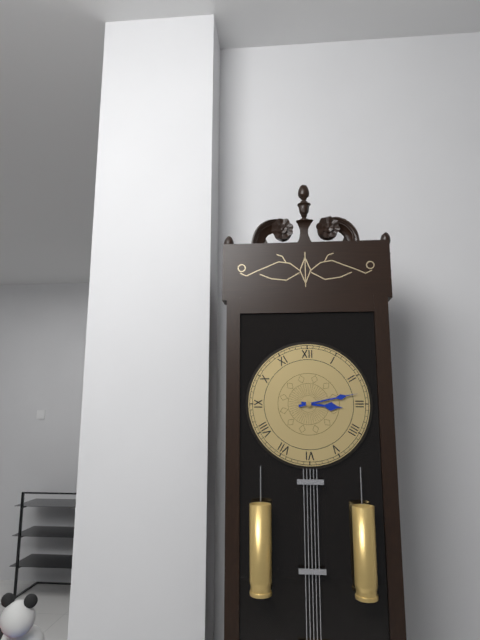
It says 3.13
